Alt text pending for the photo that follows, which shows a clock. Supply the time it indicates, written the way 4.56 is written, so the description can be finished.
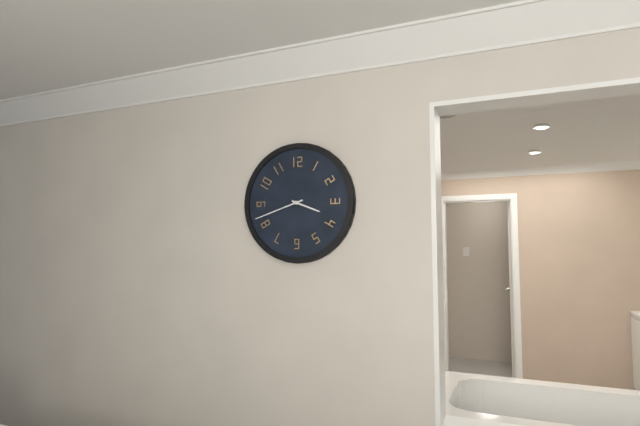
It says 3.42
